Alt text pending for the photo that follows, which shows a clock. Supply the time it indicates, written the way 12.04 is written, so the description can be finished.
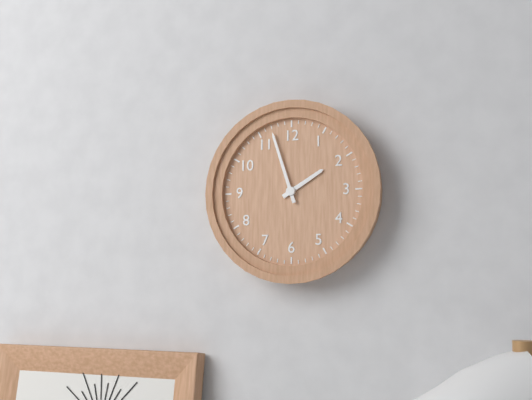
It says 1.57
